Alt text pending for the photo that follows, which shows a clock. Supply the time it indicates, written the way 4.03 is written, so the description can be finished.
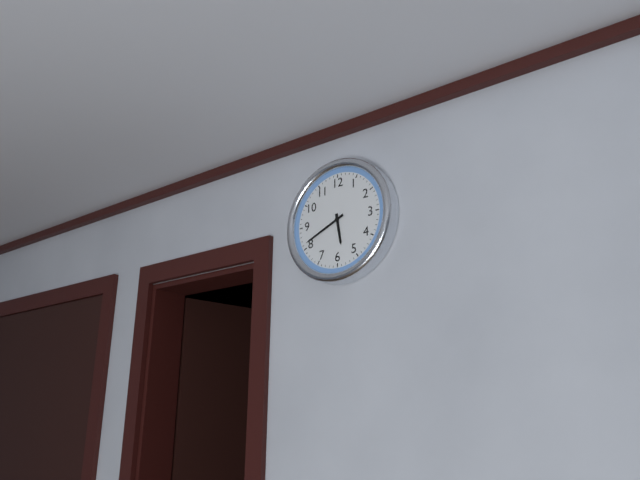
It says 5.41
